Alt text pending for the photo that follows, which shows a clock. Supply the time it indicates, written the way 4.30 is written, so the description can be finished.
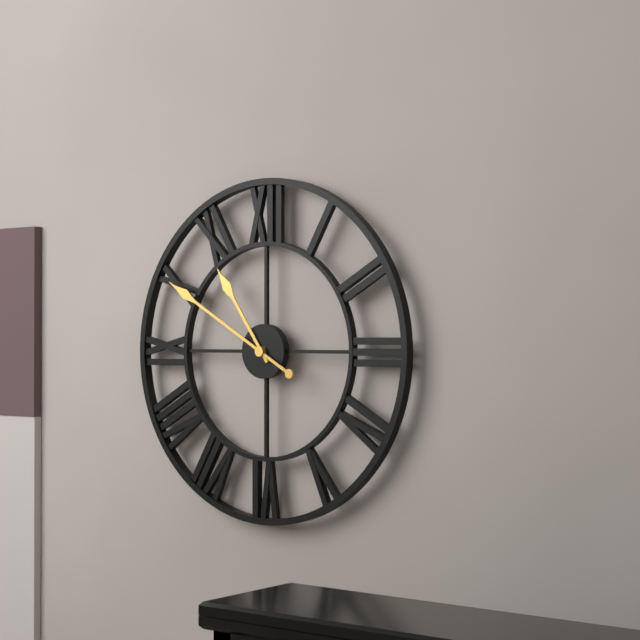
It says 10.50
